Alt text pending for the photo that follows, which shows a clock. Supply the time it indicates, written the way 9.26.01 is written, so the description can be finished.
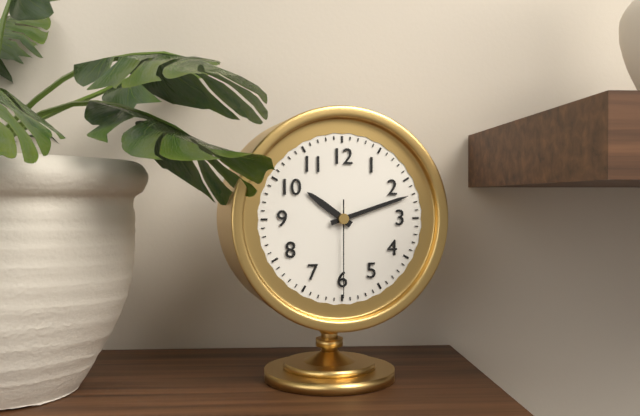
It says 10.12.30
